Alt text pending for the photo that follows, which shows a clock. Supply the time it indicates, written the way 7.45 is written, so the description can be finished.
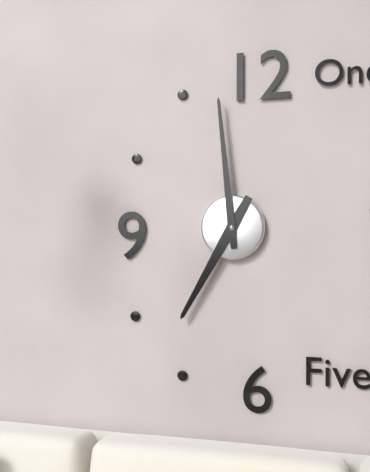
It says 6.59
